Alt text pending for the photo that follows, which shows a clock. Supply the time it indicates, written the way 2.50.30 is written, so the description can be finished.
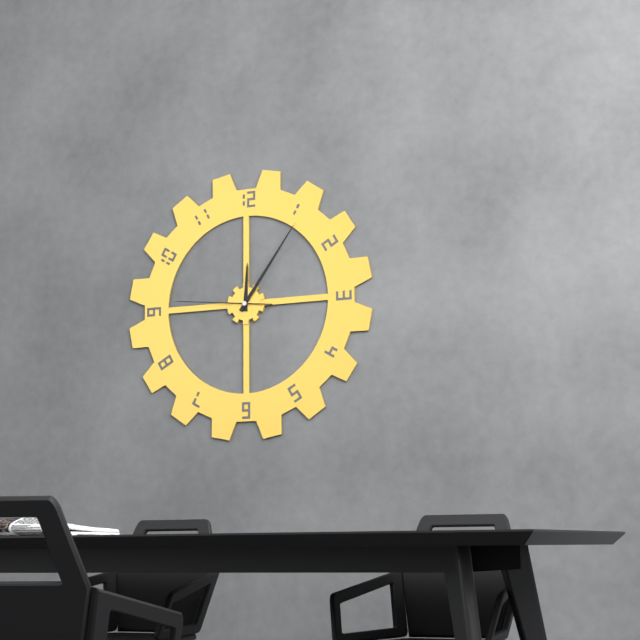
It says 12.06.46
